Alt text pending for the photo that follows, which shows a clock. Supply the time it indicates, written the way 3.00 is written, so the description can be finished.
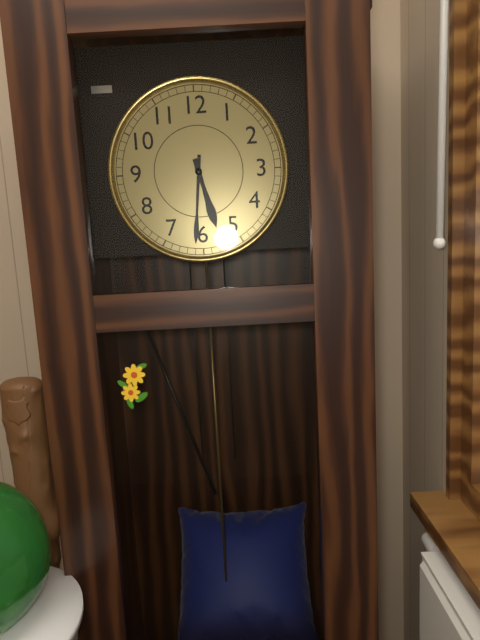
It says 5.31
